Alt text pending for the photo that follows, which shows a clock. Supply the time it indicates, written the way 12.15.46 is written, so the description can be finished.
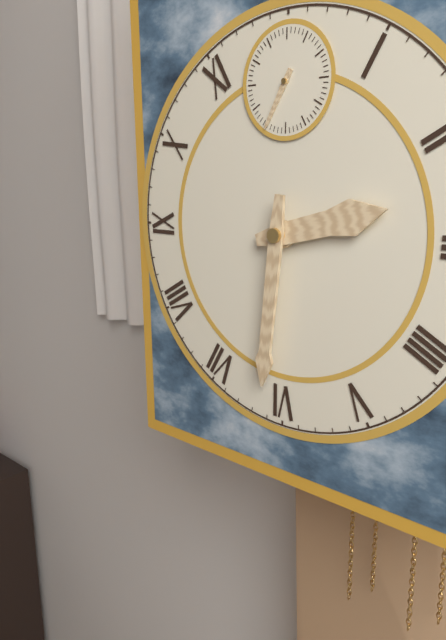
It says 2.31.35
